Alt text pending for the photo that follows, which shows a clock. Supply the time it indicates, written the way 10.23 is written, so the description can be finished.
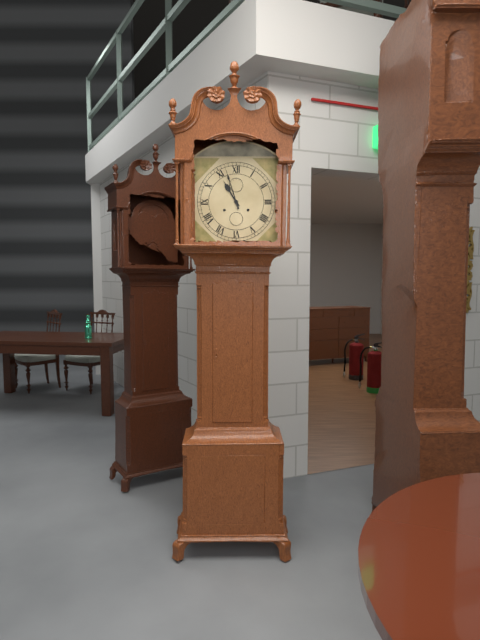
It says 10.57
